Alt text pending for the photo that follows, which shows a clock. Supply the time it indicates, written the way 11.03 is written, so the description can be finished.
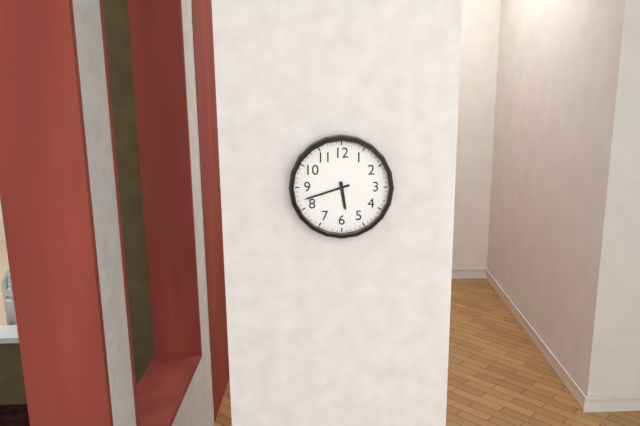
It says 5.42
